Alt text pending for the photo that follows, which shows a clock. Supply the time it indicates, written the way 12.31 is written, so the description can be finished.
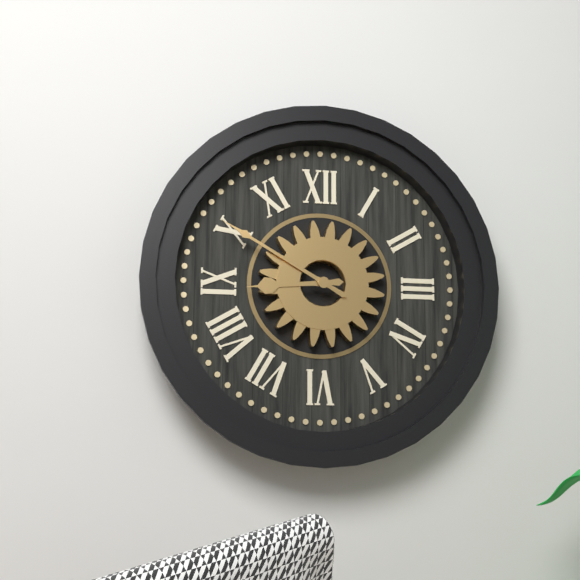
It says 8.50
